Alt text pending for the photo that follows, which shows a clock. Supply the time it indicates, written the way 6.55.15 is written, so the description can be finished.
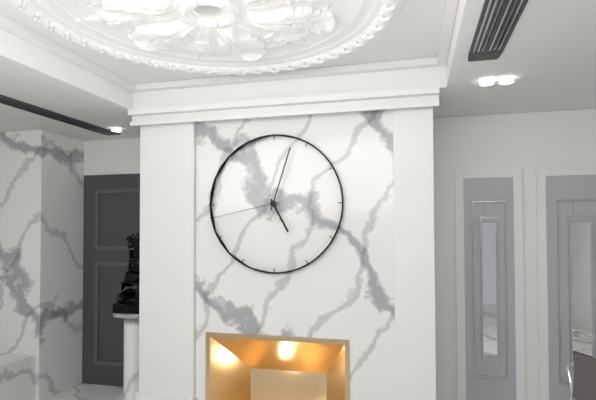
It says 5.03.43
